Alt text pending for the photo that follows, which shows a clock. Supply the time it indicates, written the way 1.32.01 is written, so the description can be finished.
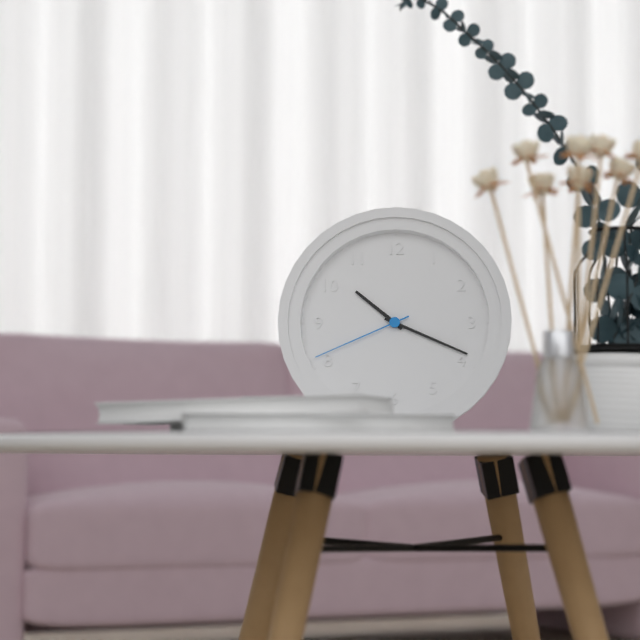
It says 10.19.41
